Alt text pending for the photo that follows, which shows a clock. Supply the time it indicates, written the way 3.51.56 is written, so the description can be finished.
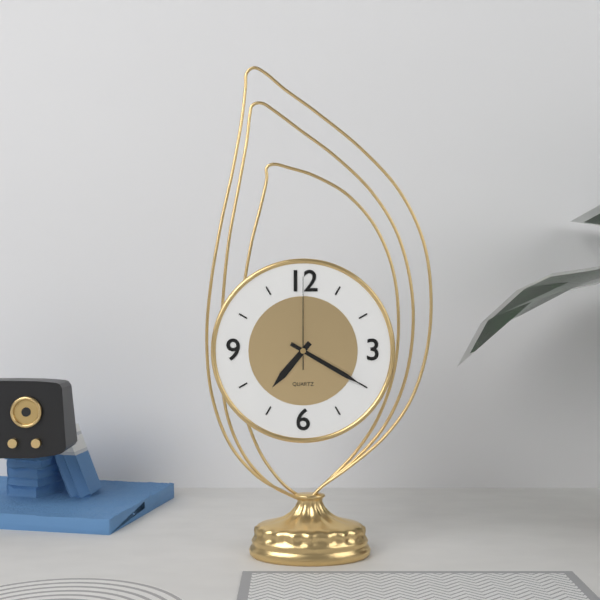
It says 7.20.00
